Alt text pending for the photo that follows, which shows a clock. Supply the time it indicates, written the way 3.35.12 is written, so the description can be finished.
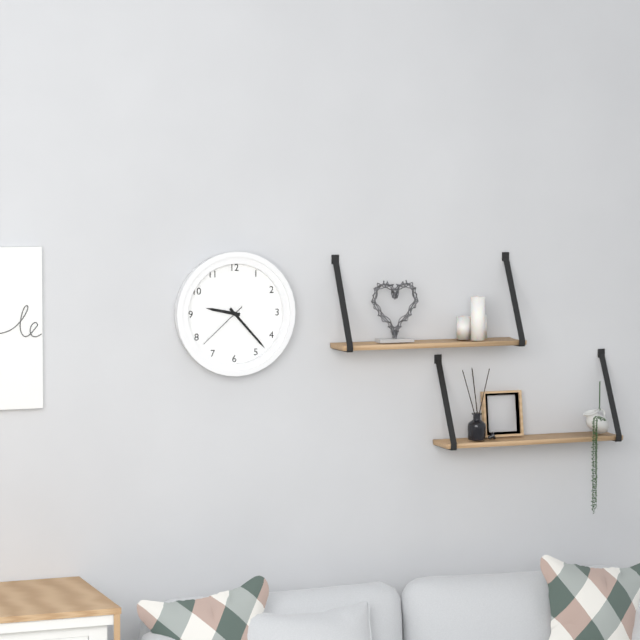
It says 9.23.38
